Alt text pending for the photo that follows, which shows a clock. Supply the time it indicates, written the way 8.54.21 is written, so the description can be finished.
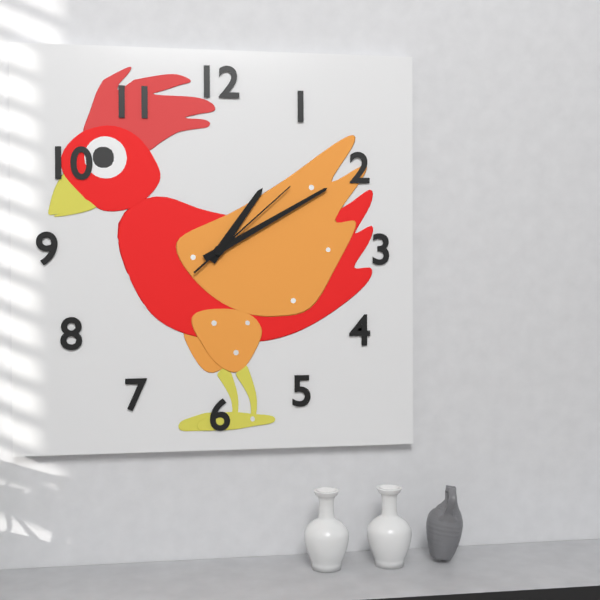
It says 1.10.08
